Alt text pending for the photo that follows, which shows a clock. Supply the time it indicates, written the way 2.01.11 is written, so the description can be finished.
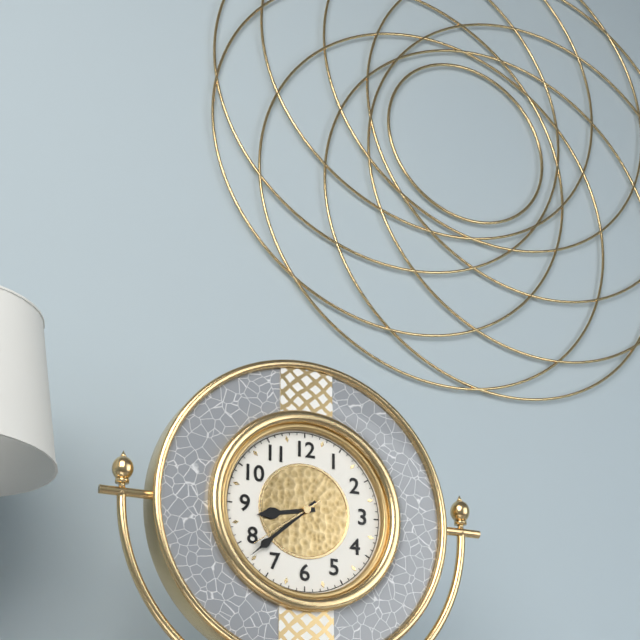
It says 8.38.39
